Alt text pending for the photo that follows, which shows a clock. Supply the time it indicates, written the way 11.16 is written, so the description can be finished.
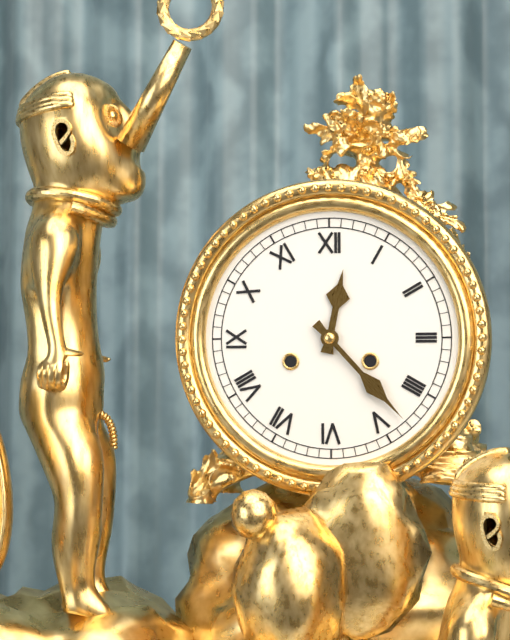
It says 12.23
